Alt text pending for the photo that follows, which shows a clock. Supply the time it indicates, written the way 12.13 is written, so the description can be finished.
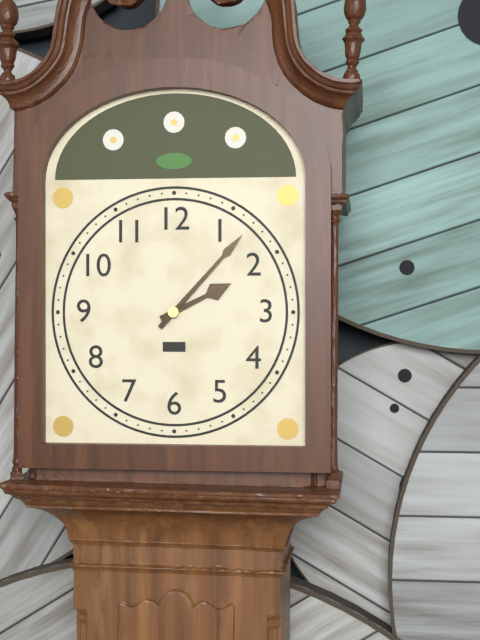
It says 2.07
